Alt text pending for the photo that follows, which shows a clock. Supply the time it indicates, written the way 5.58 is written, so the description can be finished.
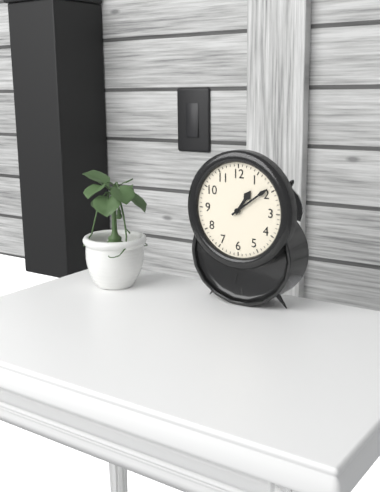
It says 1.09
